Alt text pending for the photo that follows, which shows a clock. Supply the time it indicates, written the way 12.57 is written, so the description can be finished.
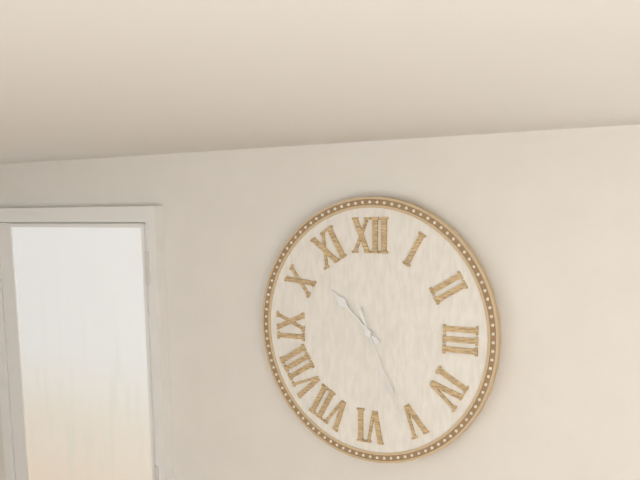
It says 10.26
